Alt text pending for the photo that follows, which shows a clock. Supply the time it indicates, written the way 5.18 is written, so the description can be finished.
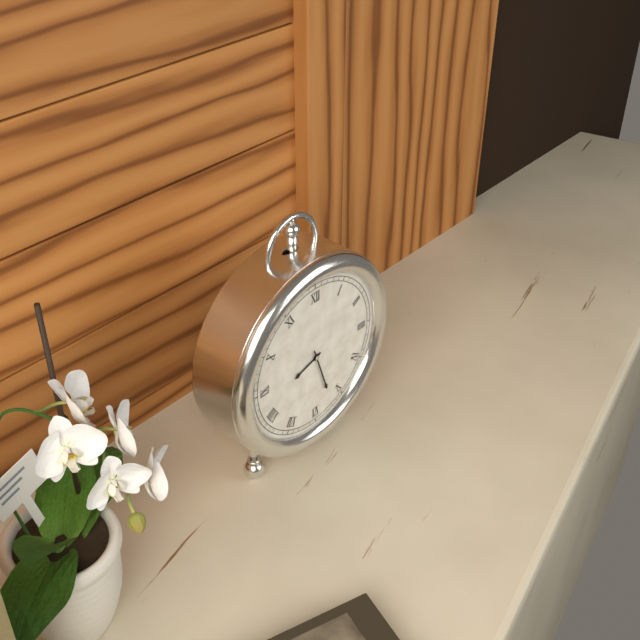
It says 8.27
